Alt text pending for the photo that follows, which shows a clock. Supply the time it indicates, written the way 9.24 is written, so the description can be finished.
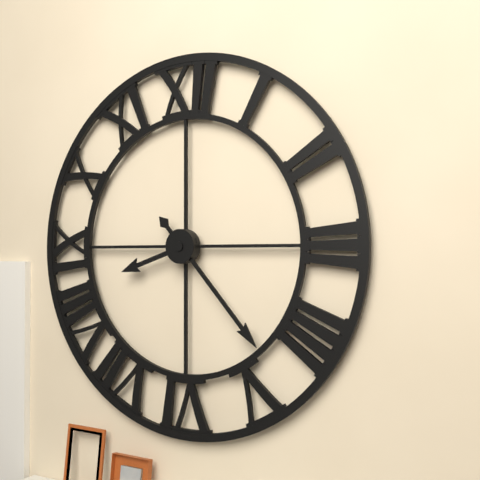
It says 8.23
